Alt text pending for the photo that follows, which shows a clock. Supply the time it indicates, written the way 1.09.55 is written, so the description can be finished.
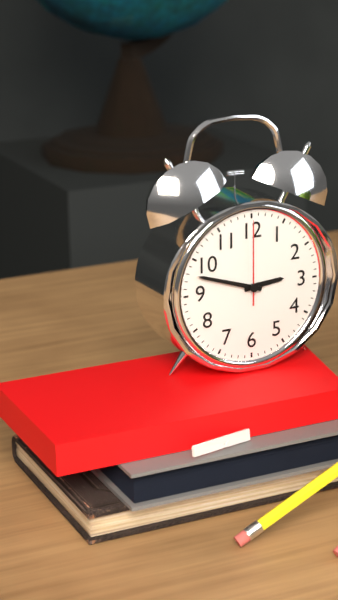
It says 2.48.00
